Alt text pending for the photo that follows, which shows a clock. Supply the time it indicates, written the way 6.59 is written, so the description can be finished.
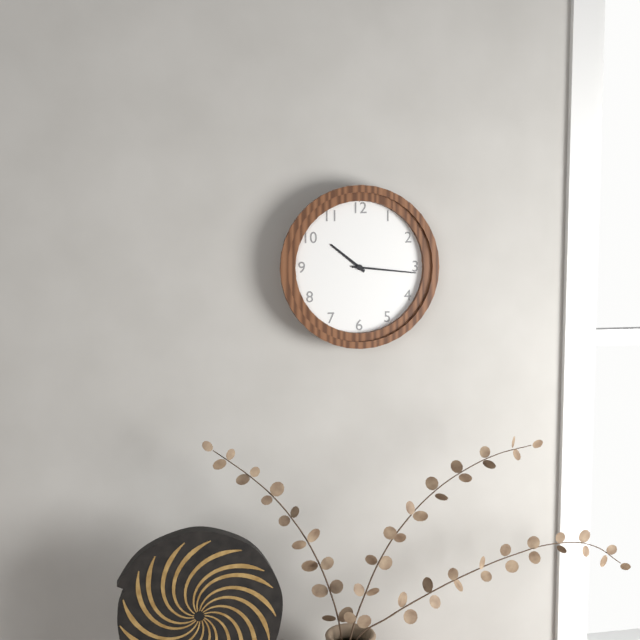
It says 10.16
